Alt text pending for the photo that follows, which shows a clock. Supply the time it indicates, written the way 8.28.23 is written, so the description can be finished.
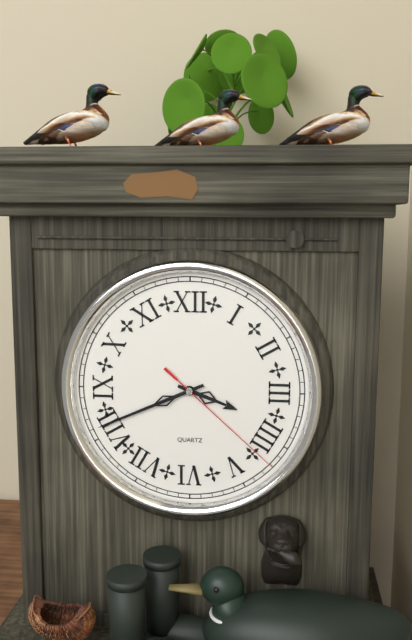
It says 3.41.22
